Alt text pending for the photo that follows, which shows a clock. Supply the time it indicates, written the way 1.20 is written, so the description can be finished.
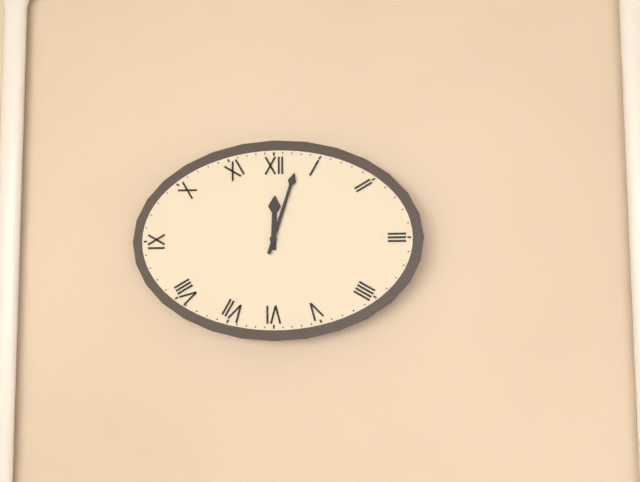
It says 12.03
